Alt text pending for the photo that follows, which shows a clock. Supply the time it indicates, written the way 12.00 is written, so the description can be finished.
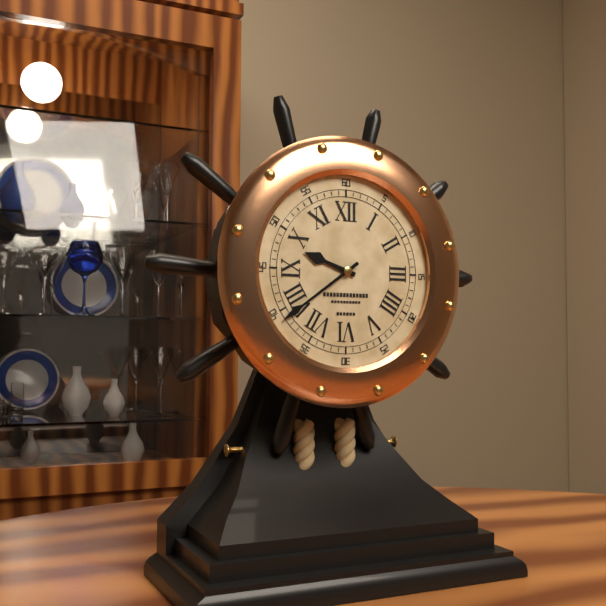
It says 9.39
